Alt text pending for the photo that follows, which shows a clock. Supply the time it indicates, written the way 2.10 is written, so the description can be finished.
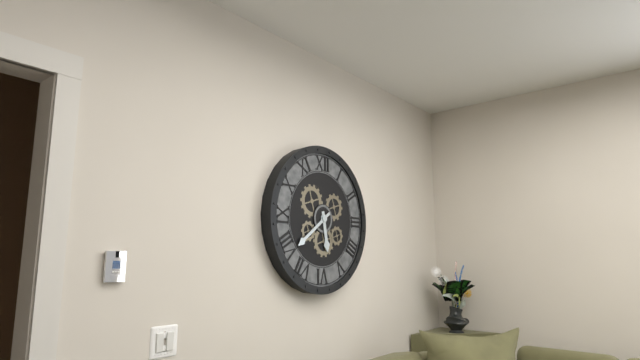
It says 5.39
